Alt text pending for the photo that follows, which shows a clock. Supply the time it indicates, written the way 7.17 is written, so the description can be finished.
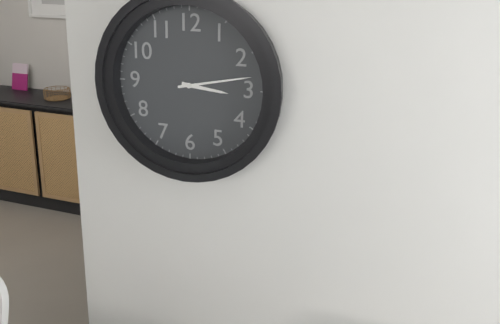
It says 3.13
